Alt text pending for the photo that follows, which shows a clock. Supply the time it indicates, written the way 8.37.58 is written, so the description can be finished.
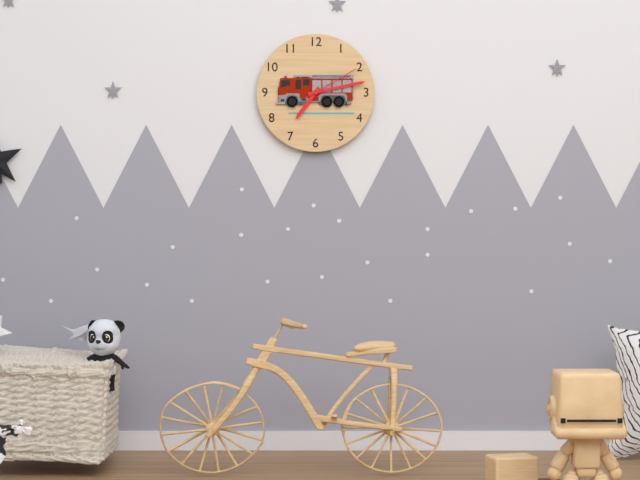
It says 7.13.10
